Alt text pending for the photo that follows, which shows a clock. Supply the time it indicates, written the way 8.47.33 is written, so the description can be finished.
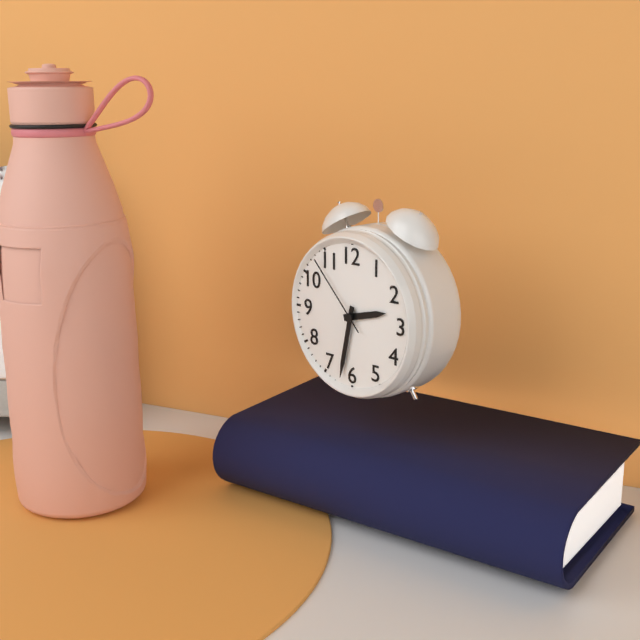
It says 2.32.53
